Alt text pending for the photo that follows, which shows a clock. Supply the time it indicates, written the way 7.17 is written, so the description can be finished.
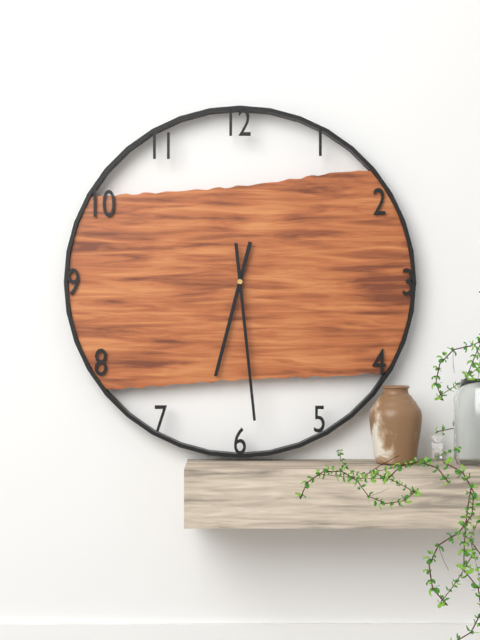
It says 6.29
